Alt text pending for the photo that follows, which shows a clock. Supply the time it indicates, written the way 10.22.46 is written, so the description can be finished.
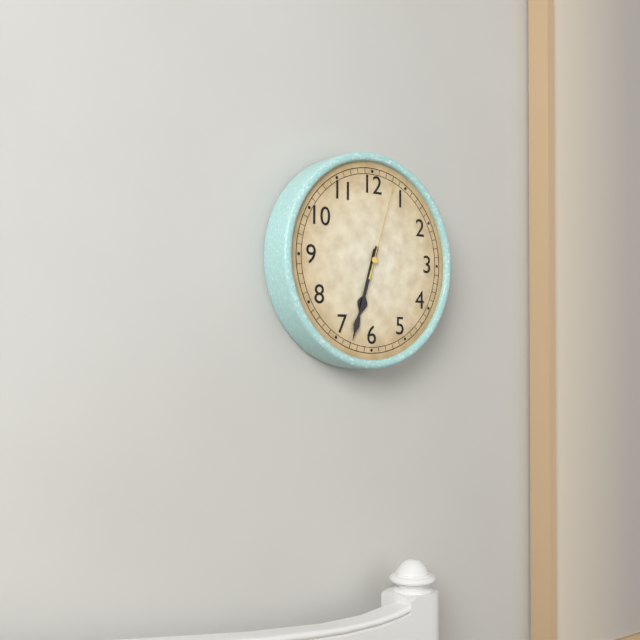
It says 6.33.03
